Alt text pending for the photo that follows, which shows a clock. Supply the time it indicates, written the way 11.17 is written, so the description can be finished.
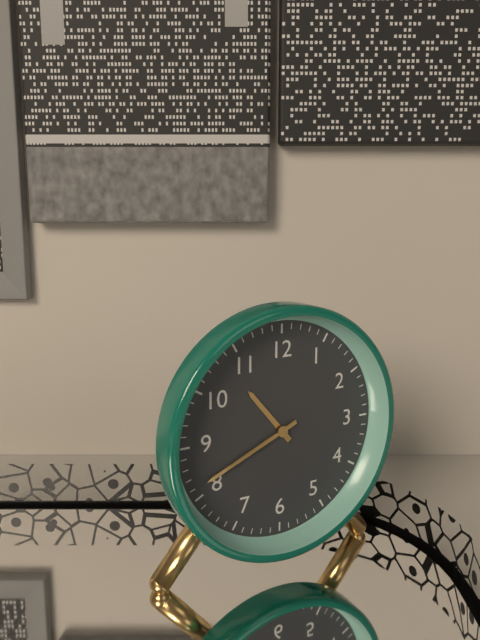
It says 10.41
